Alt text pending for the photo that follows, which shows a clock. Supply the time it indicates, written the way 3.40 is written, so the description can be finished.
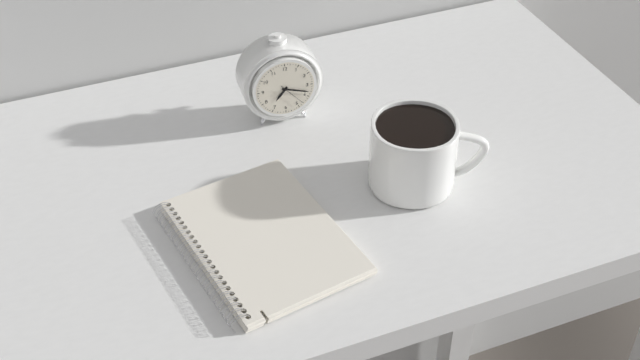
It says 7.18
